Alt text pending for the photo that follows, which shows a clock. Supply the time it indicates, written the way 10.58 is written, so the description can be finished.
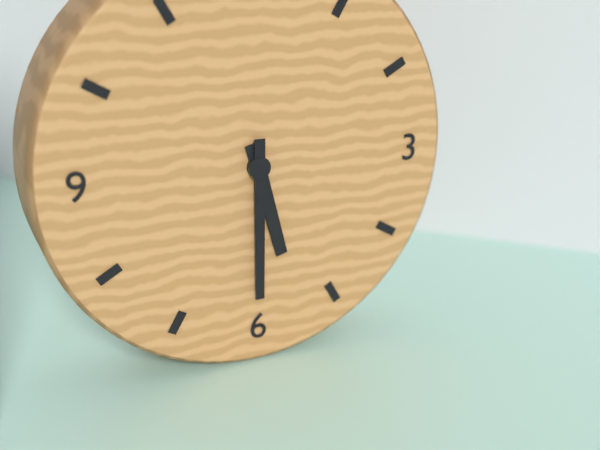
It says 5.30
